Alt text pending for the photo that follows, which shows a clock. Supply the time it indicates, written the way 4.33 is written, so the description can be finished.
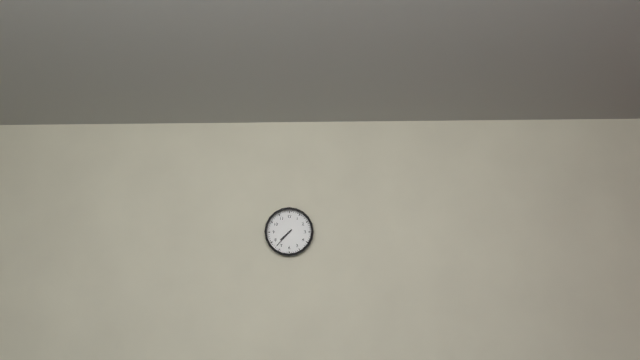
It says 7.37
